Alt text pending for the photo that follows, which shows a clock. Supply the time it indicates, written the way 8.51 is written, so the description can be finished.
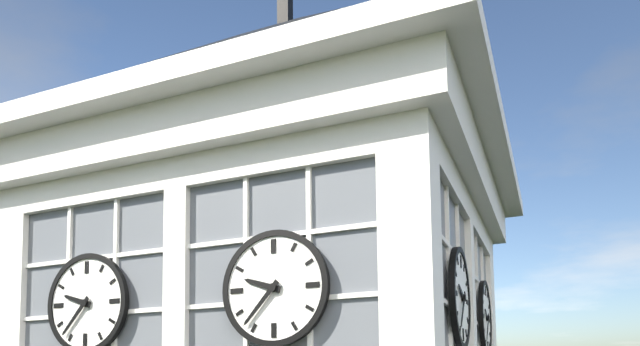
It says 9.37
